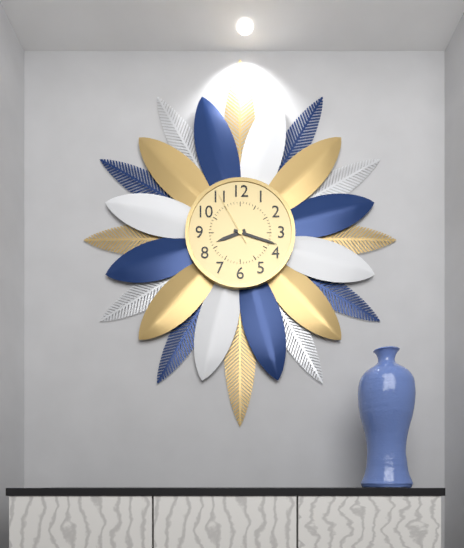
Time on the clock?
8:18:55
